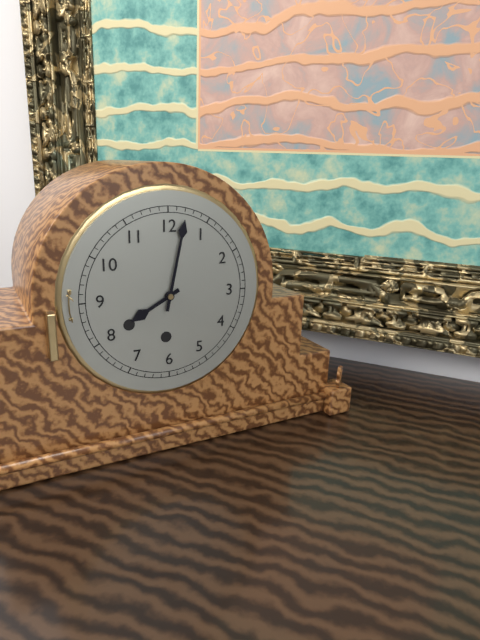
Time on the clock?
8:02
